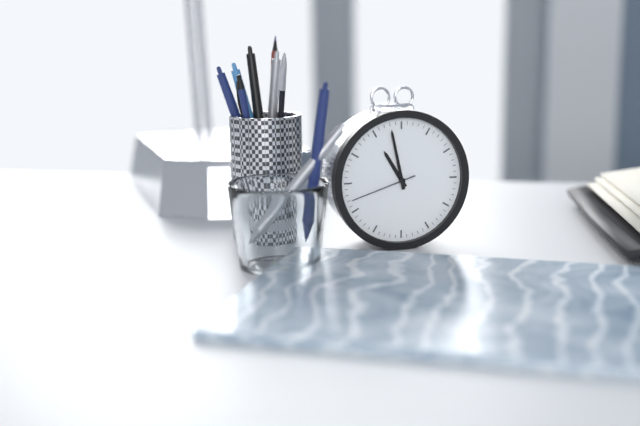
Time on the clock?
10:58:42
